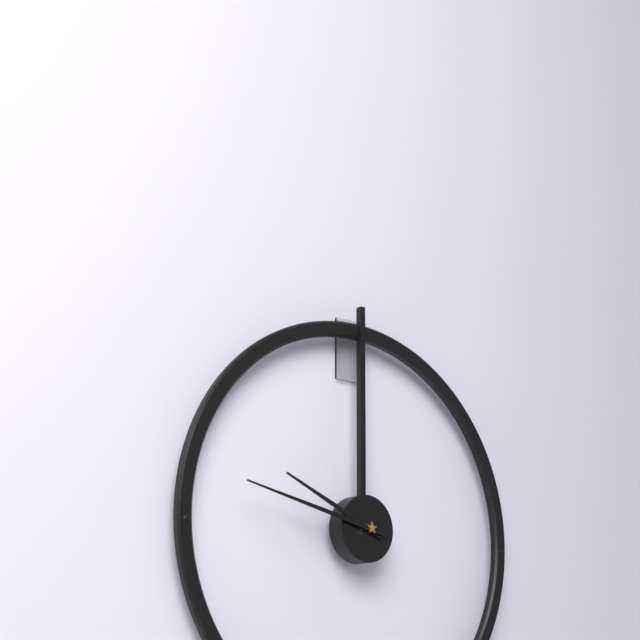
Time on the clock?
9:47
